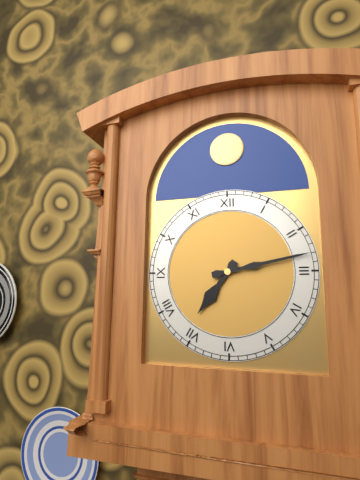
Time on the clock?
7:13
